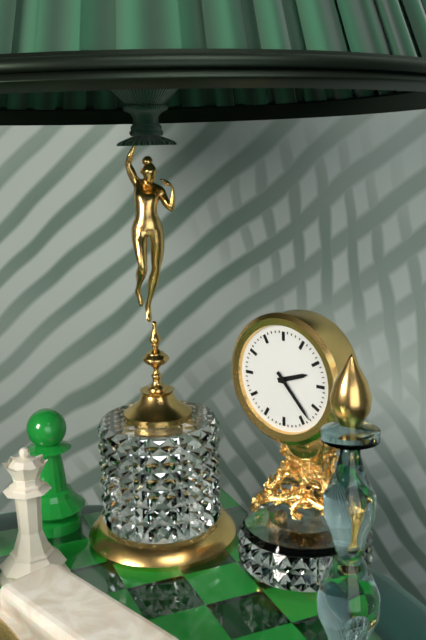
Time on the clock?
2:23
